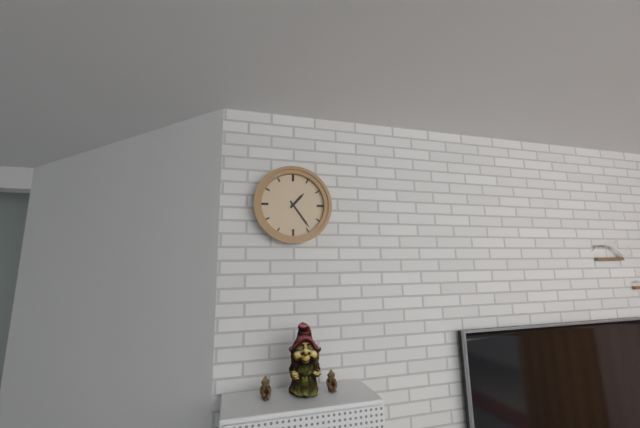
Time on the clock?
1:24
